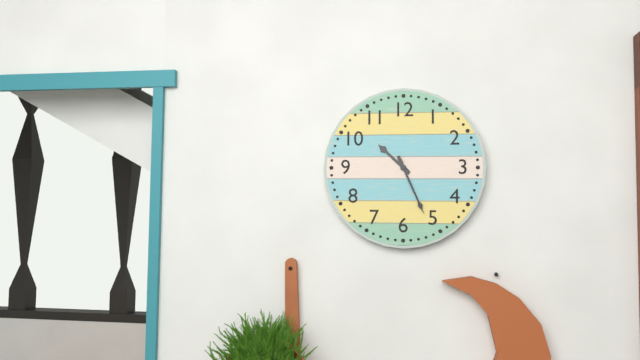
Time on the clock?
10:26
